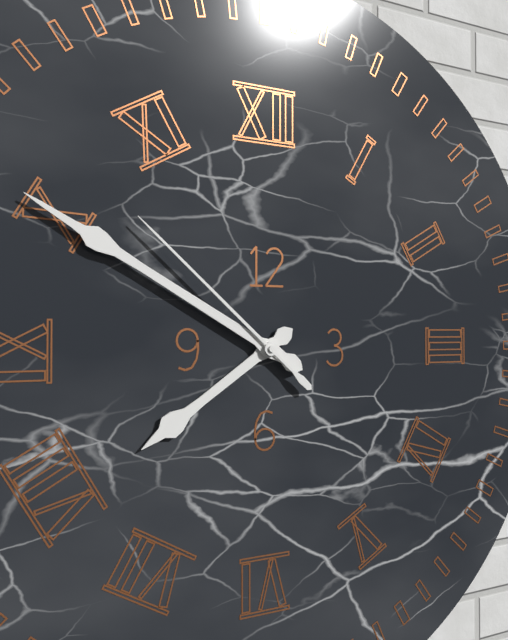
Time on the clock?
7:50:52
